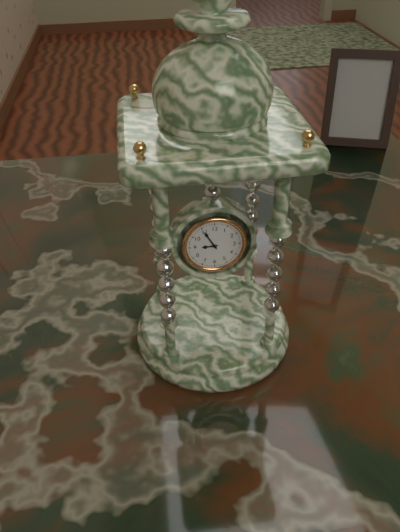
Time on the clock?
8:55
